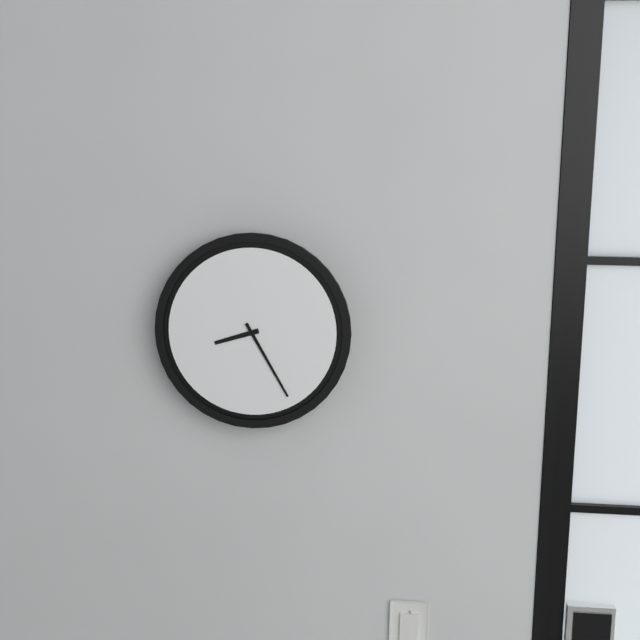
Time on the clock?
8:25
